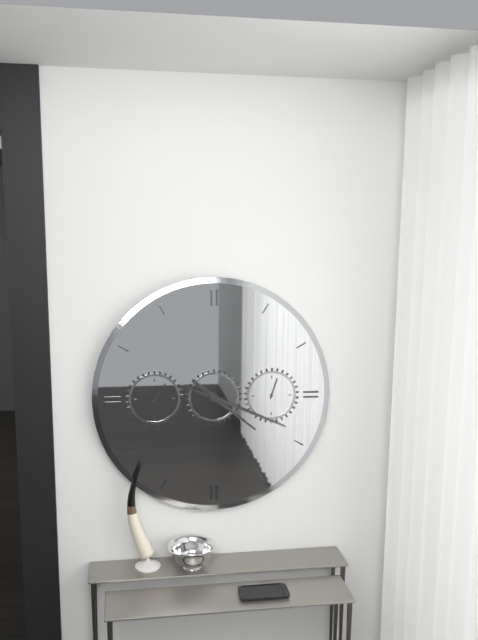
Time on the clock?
4:19
